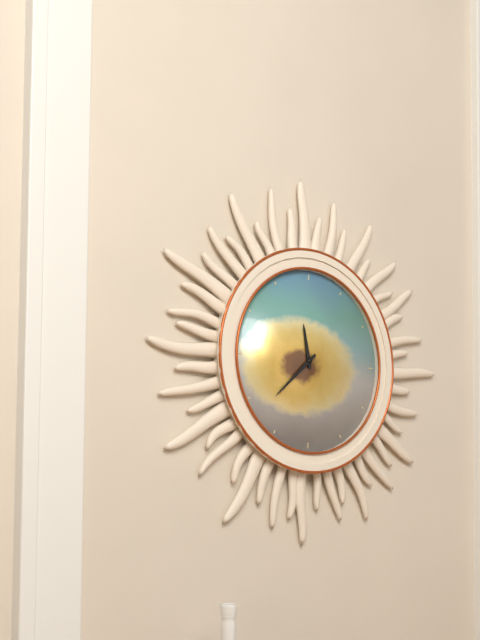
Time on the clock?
11:38
